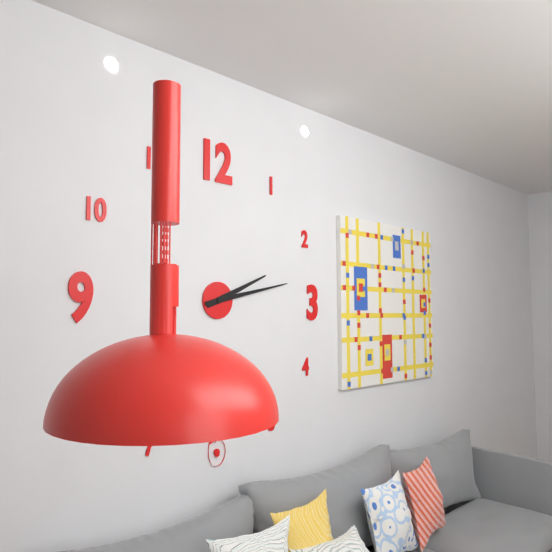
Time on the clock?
2:13
